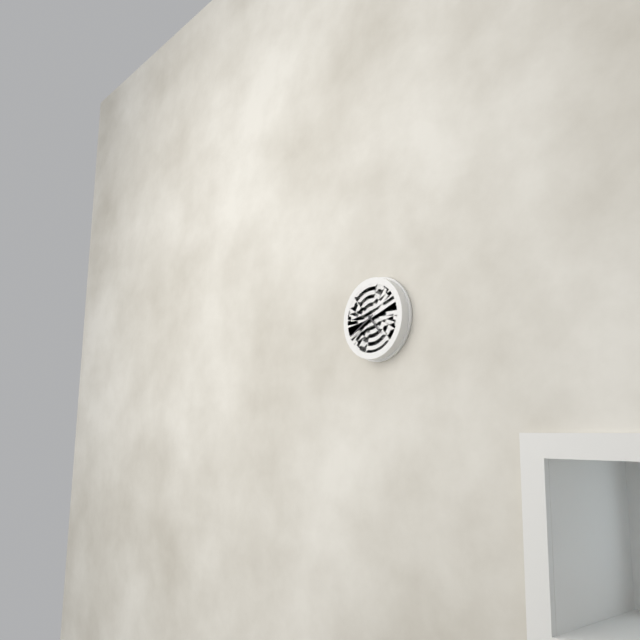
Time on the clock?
4:40
